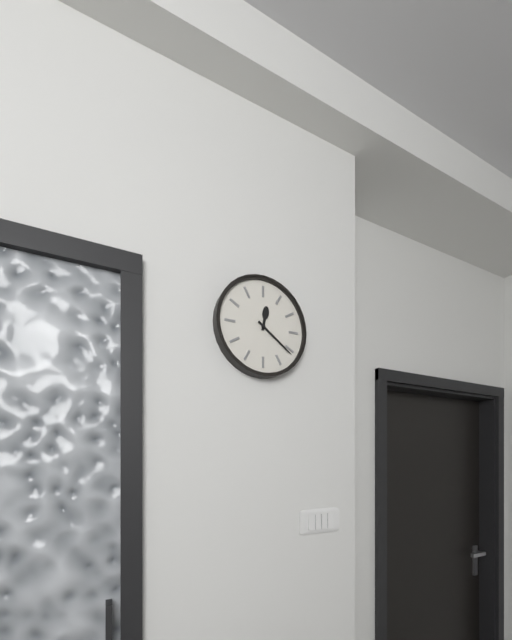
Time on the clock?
12:21
